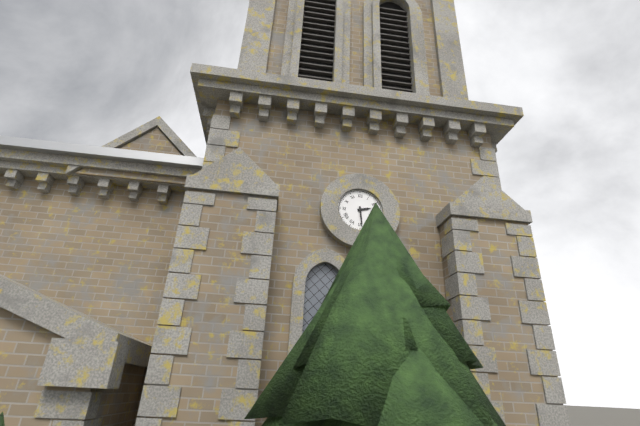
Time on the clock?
2:29
